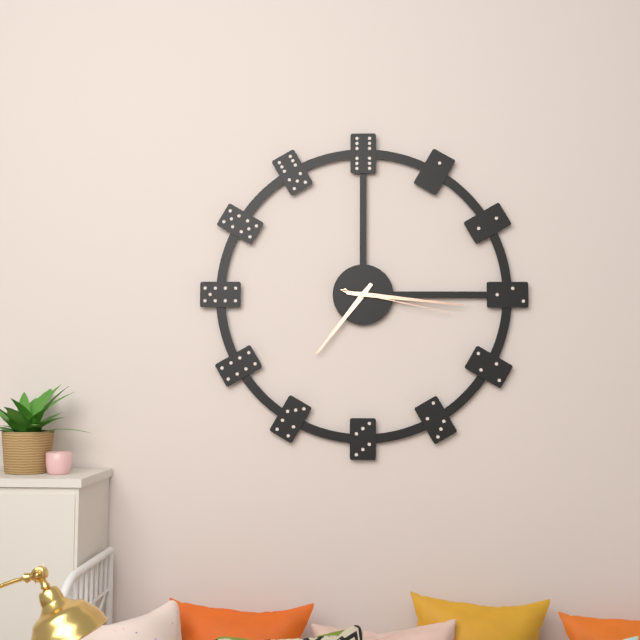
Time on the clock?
7:16:17
